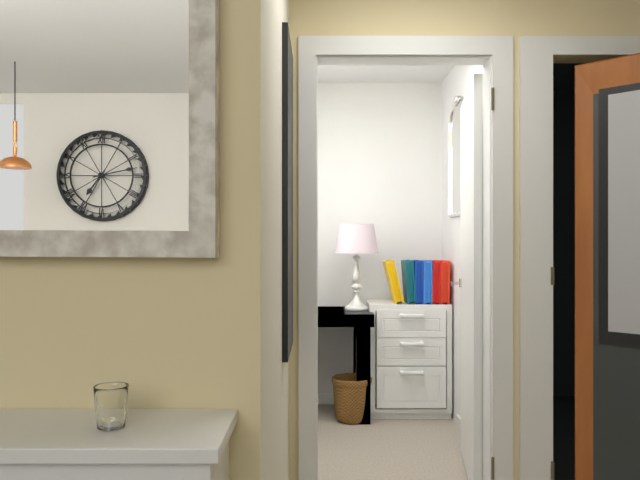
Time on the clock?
7:13
